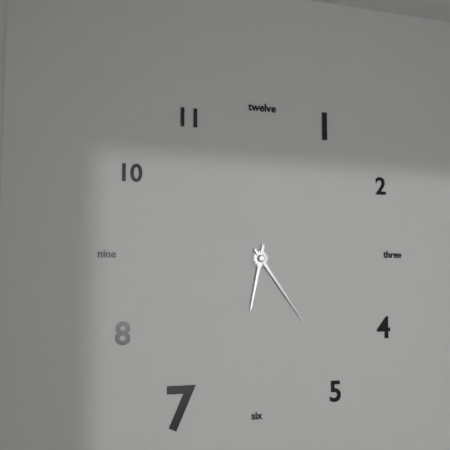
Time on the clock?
6:24
